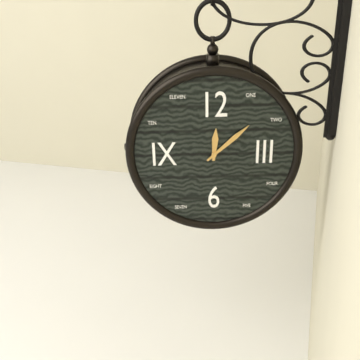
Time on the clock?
12:08
